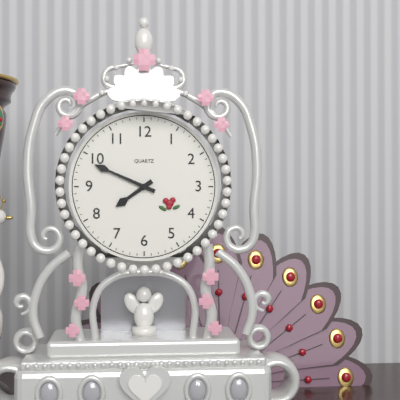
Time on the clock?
7:49
